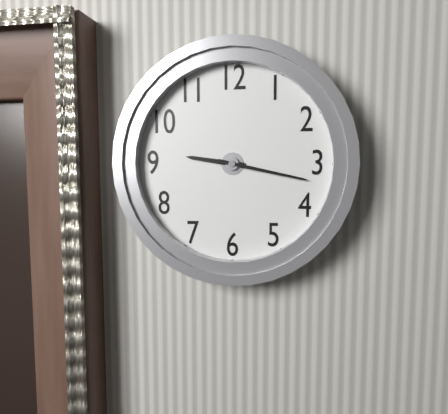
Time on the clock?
9:17
